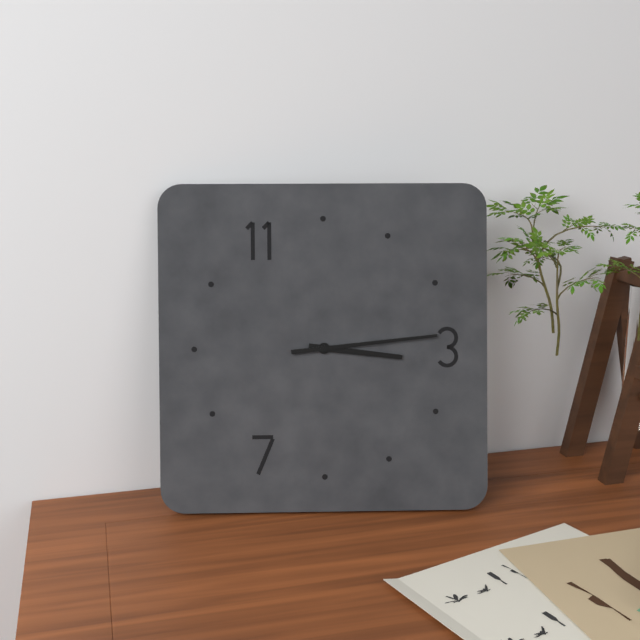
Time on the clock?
3:14
